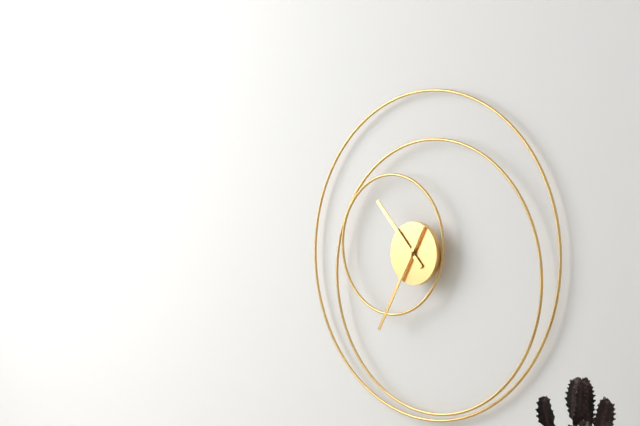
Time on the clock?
10:35
